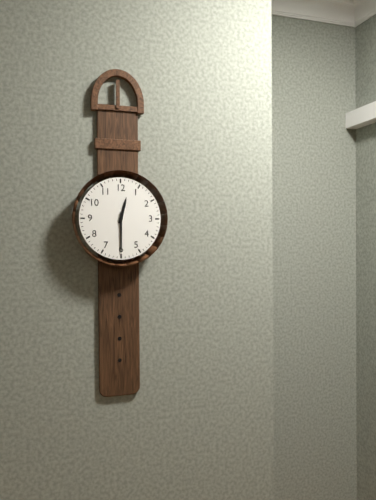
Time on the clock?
12:30
